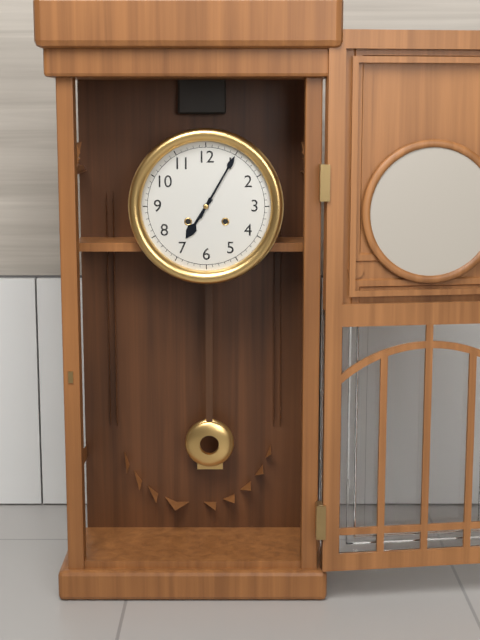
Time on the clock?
7:05
